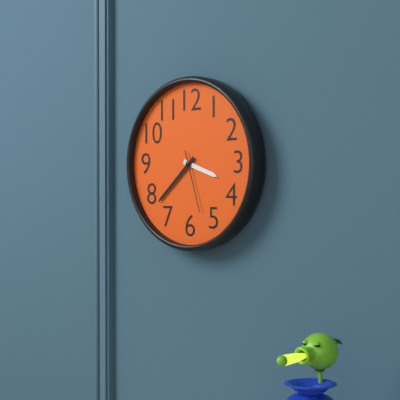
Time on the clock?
3:38:27
